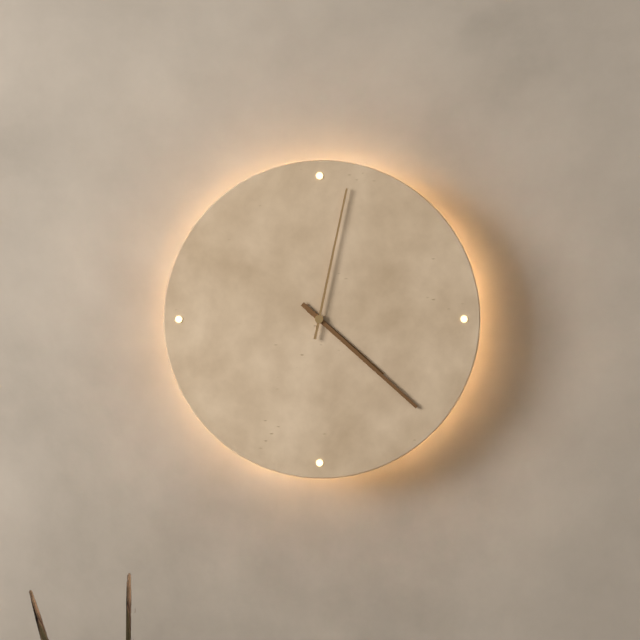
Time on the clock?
4:22:02
